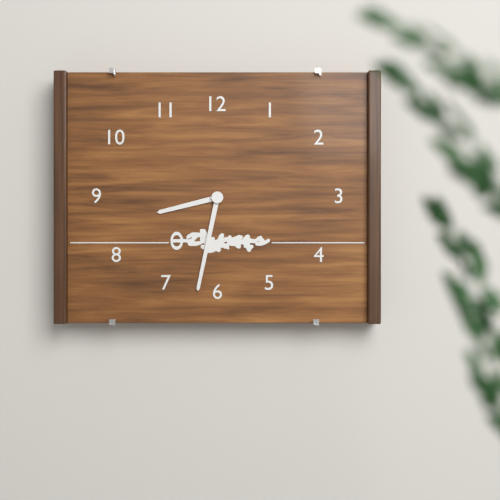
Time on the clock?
8:32
